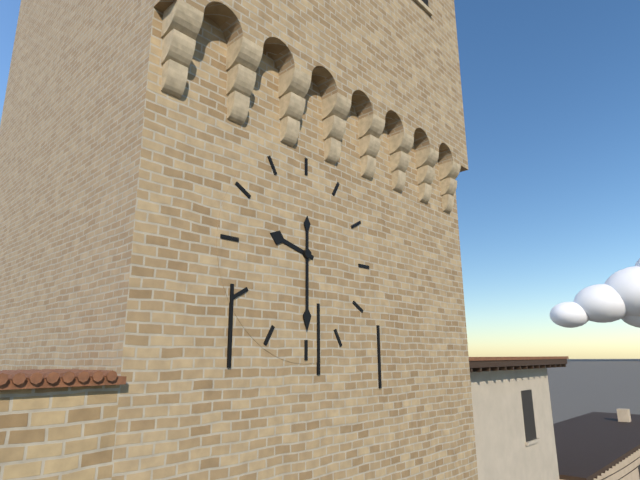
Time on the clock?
9:30
